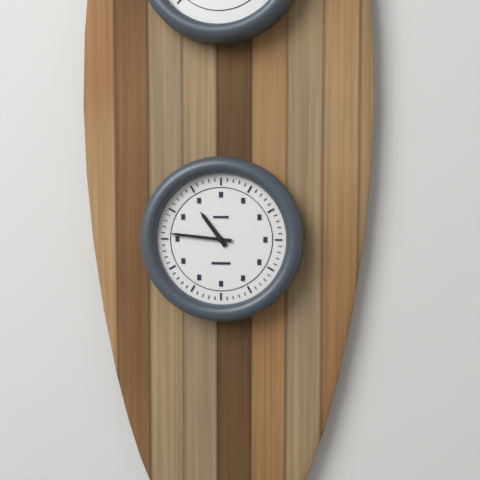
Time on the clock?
10:46
